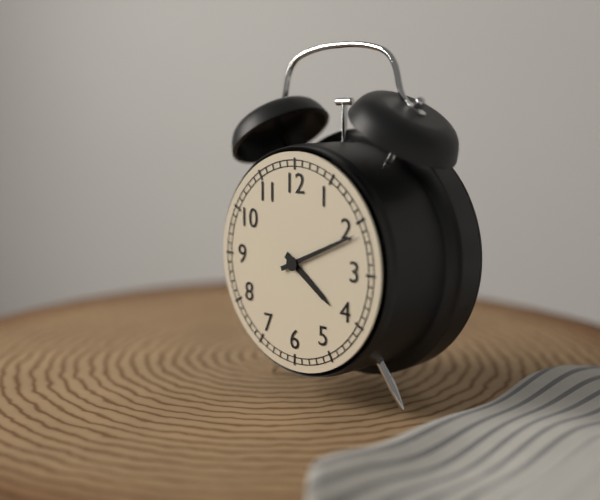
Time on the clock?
4:11
